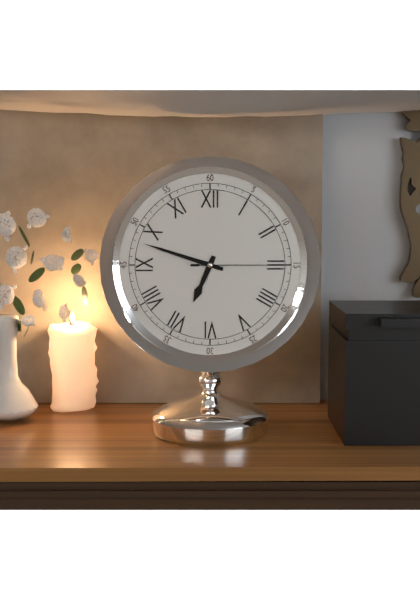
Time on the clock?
6:48:15
